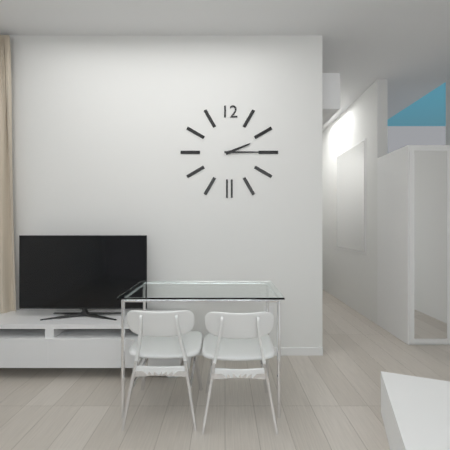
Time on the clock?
2:15
